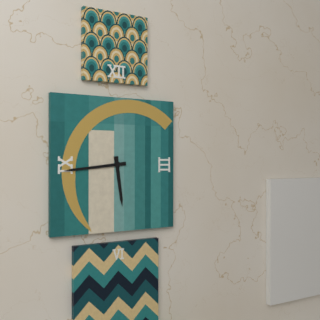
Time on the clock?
5:44
